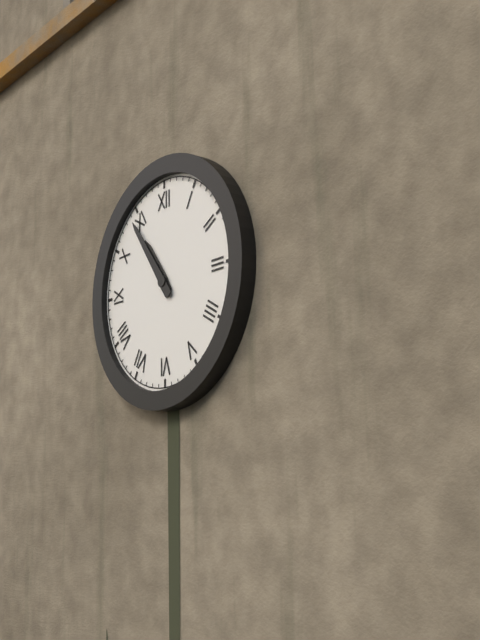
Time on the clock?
10:54
